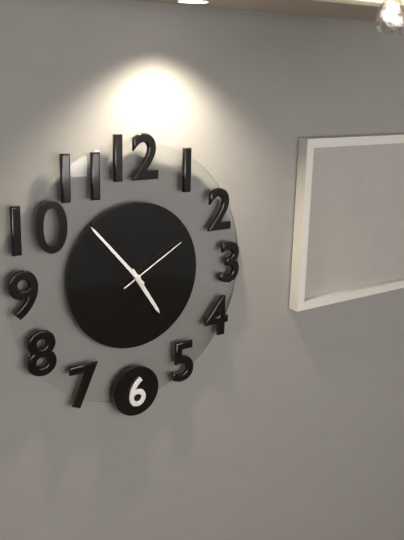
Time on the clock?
4:53:10
